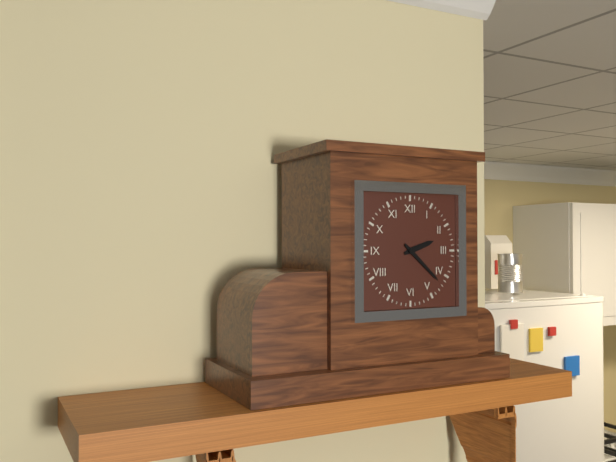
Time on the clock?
2:22
